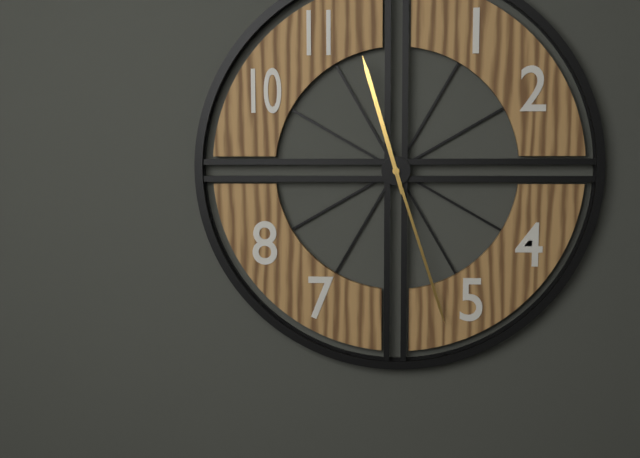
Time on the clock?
11:27
